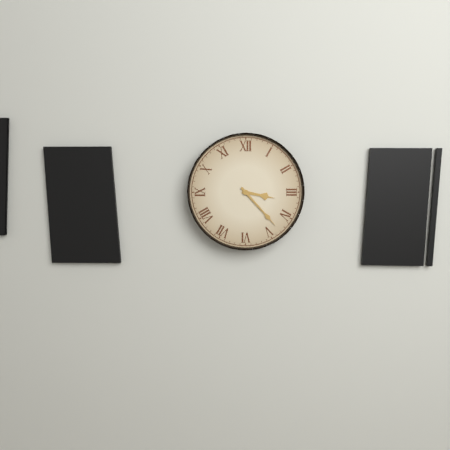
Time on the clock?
3:23
